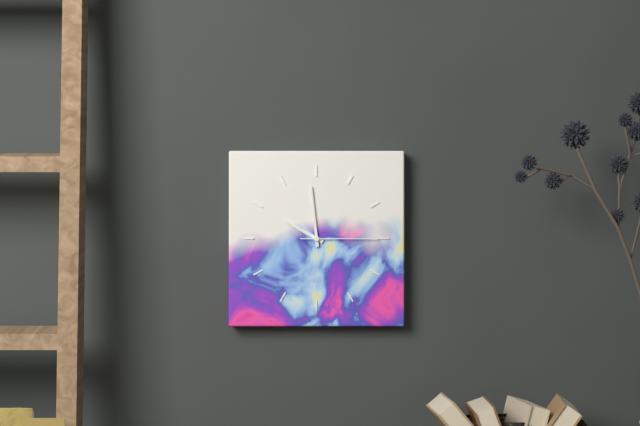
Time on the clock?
9:59:15
